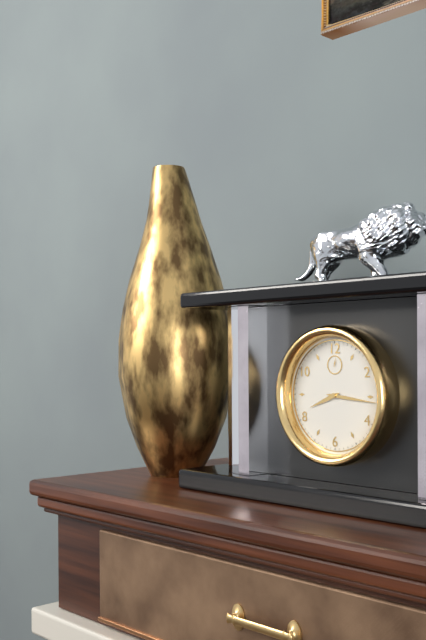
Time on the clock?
8:16
